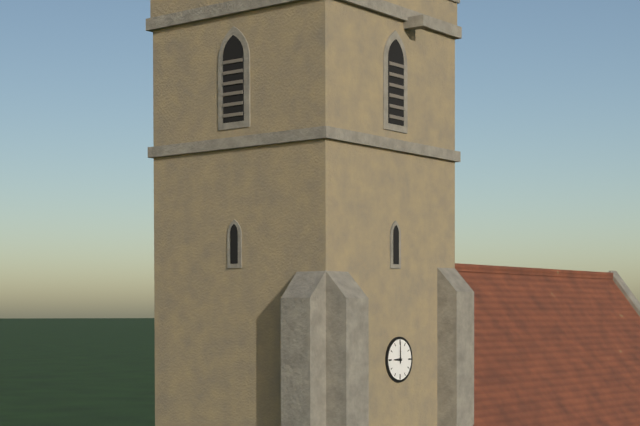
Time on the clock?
9:00
